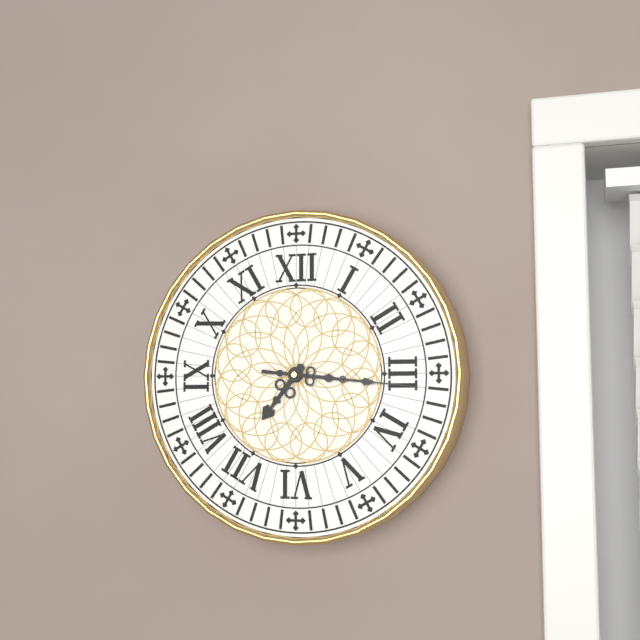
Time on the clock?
7:16:16
